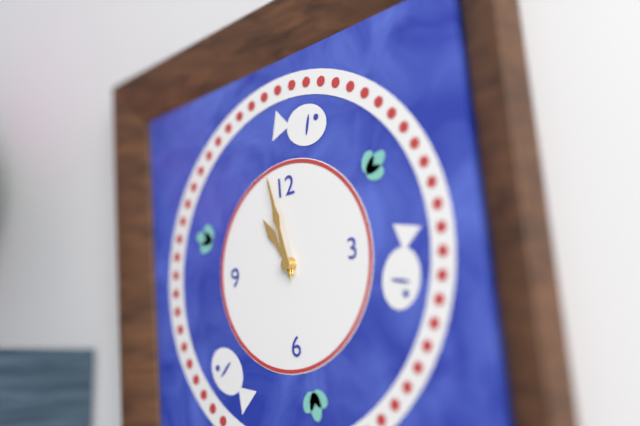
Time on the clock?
10:58
